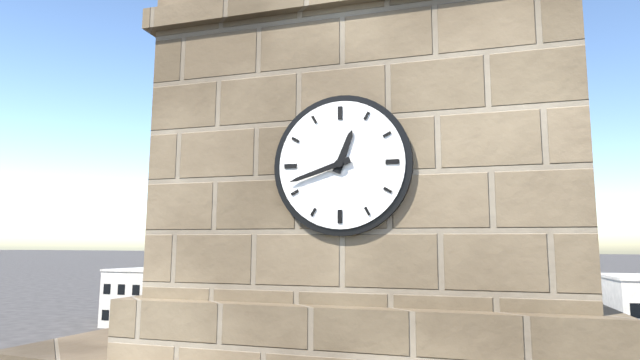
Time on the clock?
12:42
